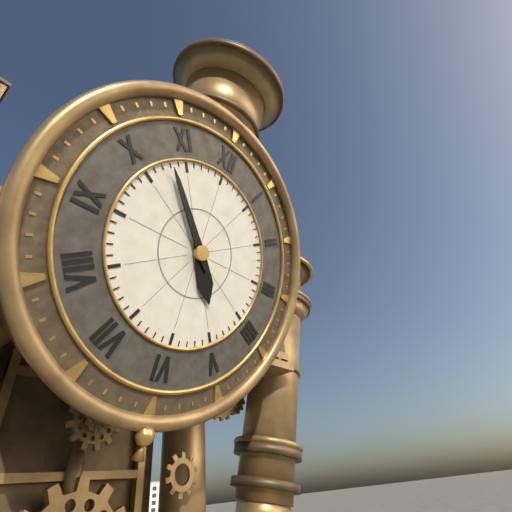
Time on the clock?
4:53
